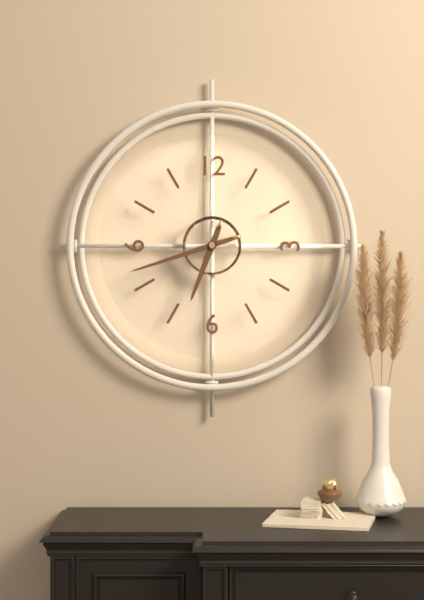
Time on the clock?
6:42
